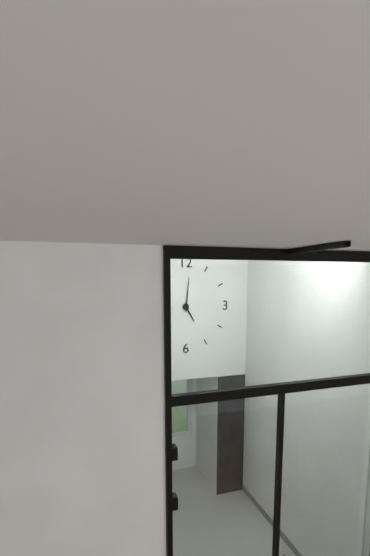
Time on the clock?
5:01
